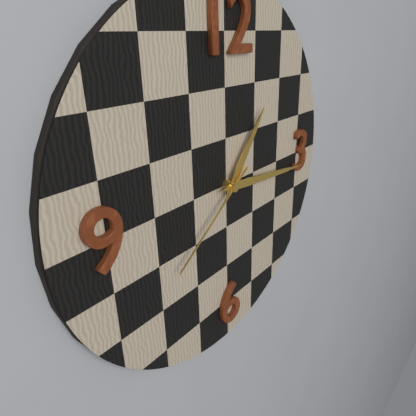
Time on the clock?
1:16:39
